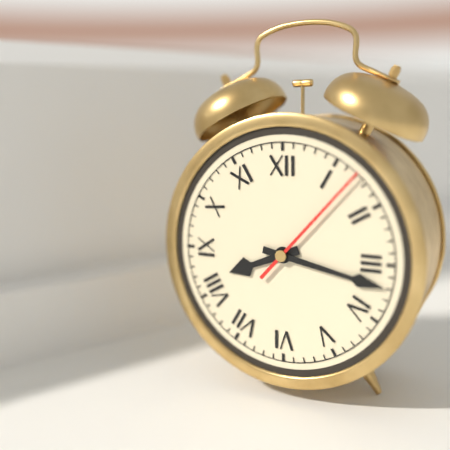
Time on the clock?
8:17:07
